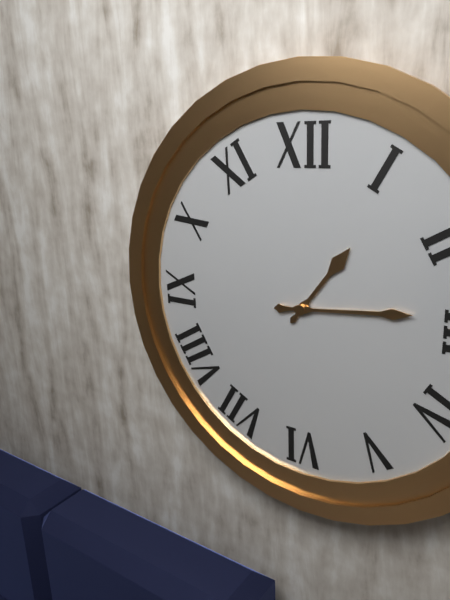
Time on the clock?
1:14
